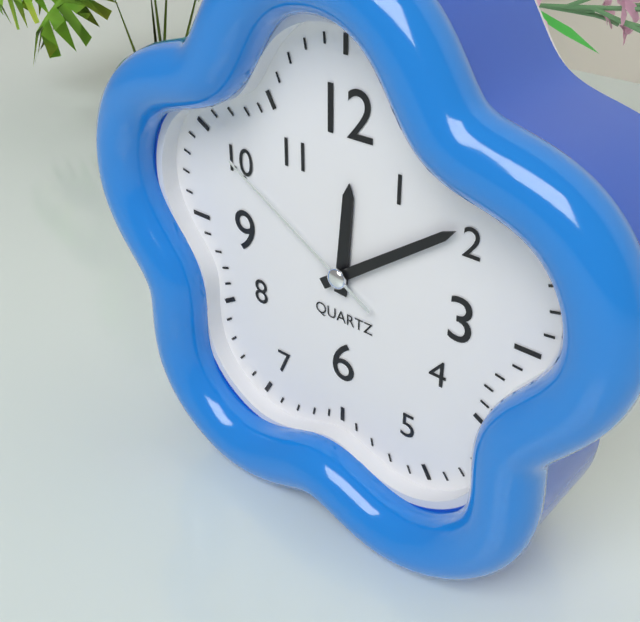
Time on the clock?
12:09:50
